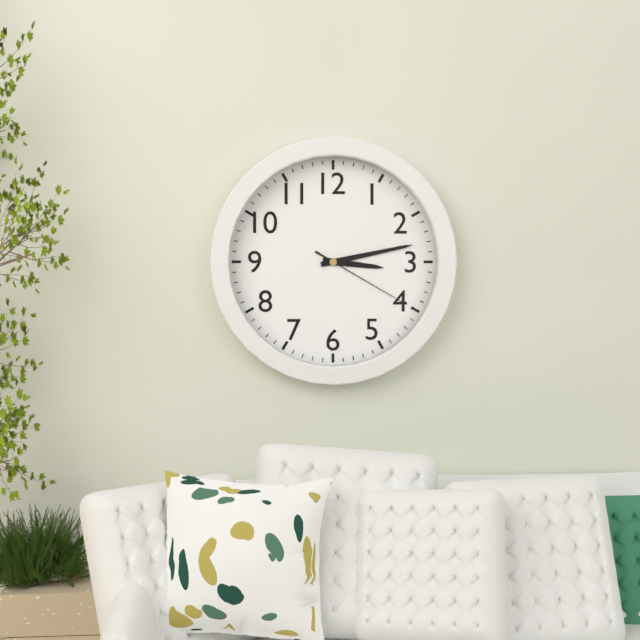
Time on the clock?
3:13:20
